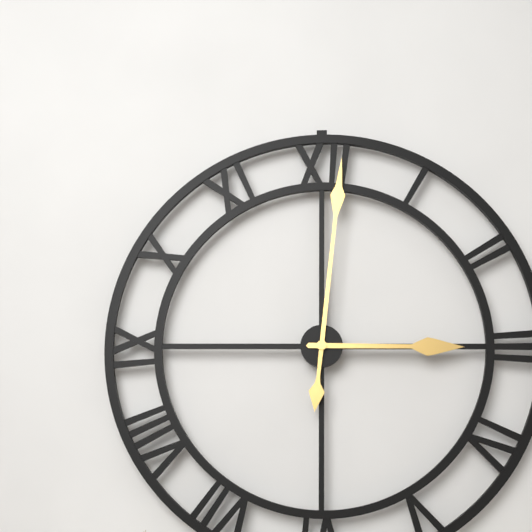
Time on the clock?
3:01
